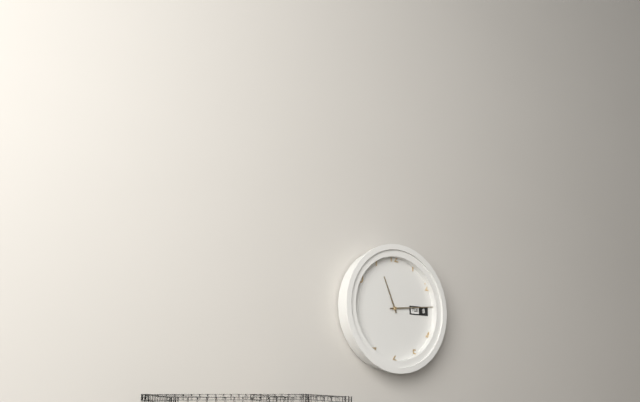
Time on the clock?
11:14
